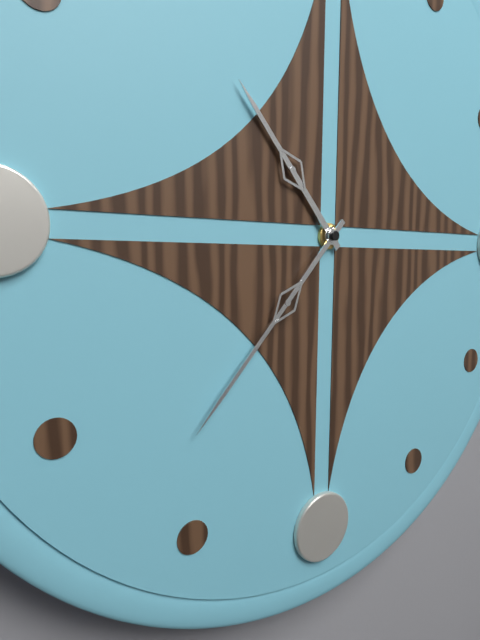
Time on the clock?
10:37
